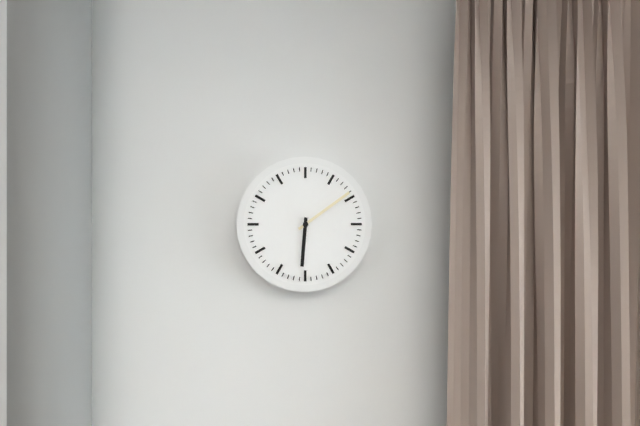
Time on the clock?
6:09
